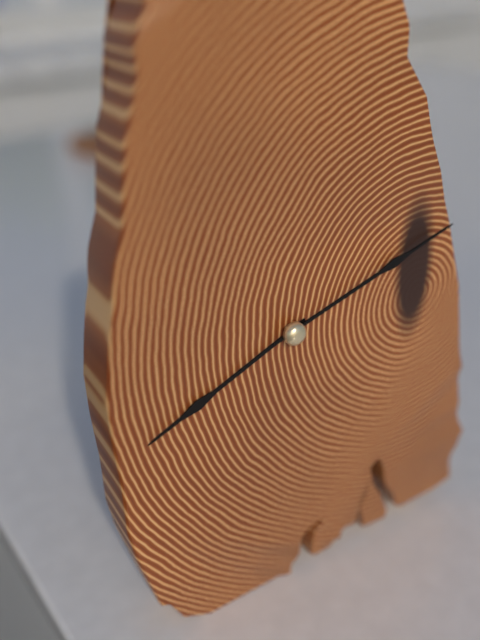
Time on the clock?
8:12
